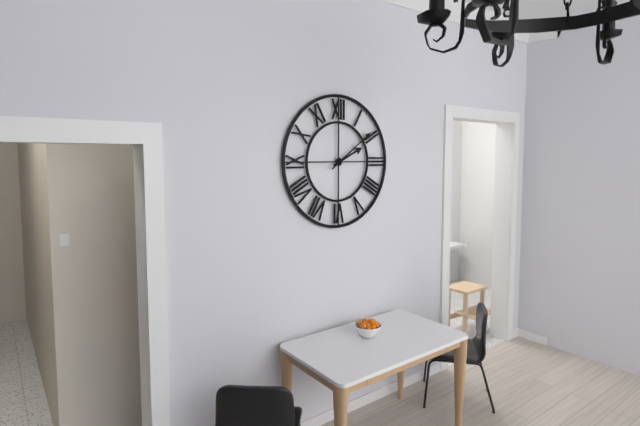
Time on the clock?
2:09
